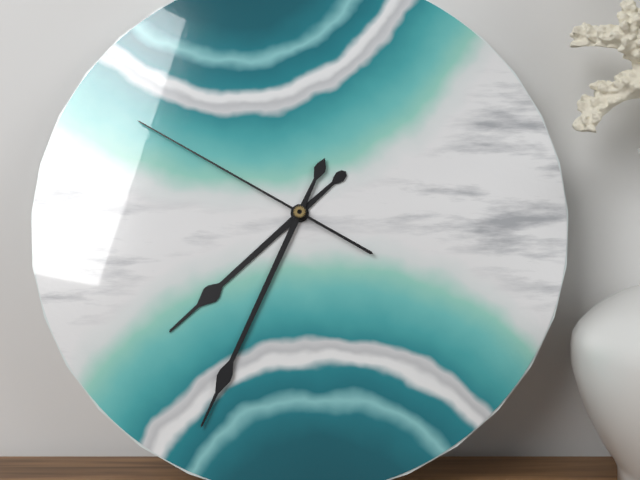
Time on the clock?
7:34:50
